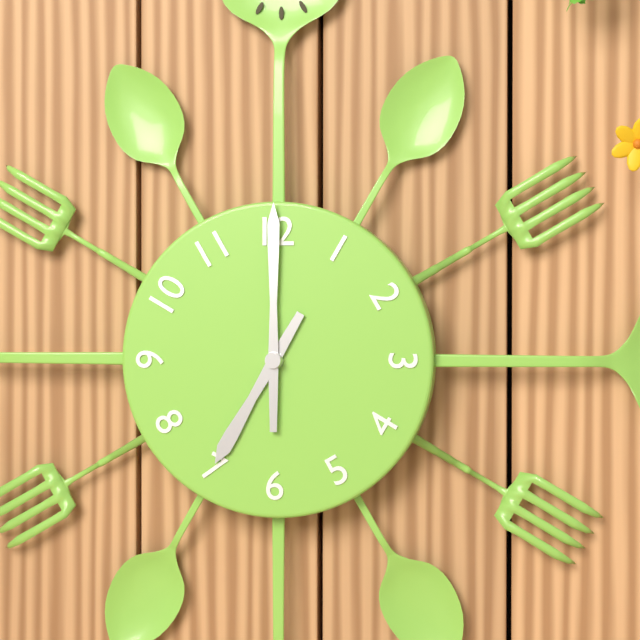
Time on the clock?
7:00
